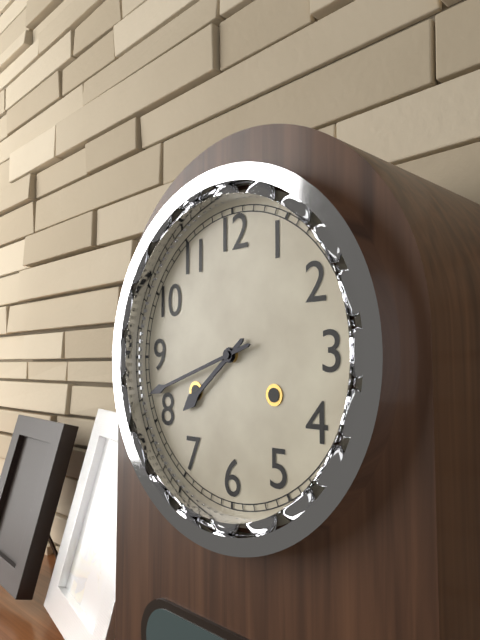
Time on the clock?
7:42
